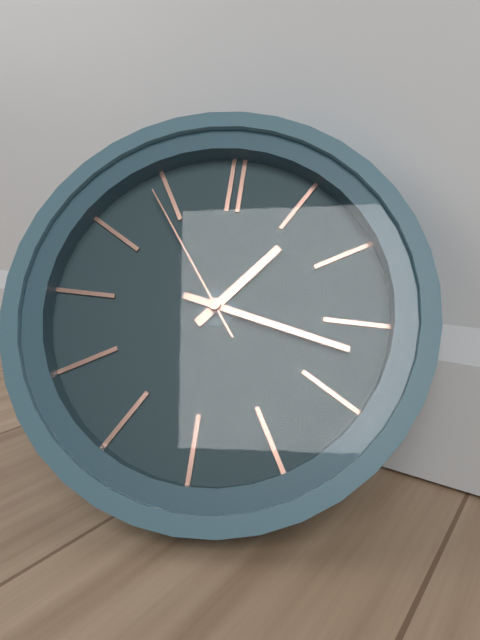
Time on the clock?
1:17:54
